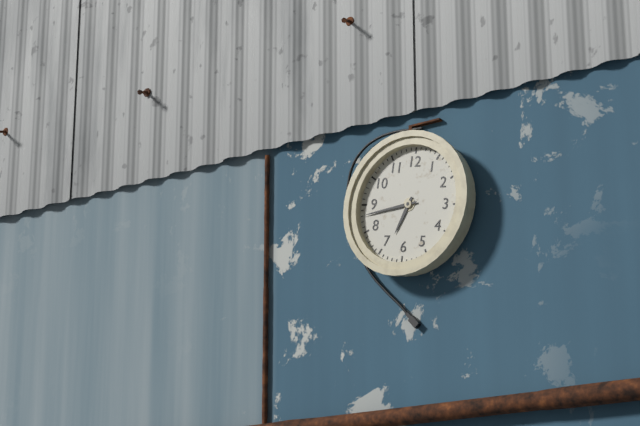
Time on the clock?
6:43
